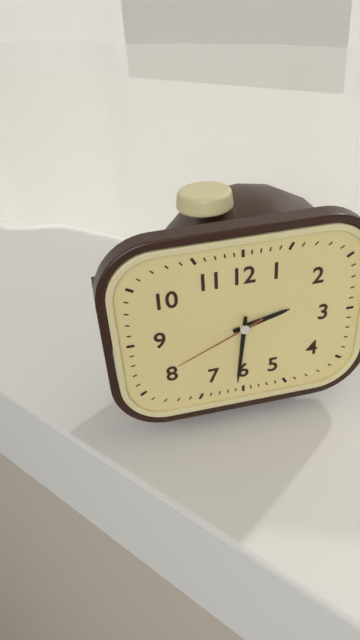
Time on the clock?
2:31:41
